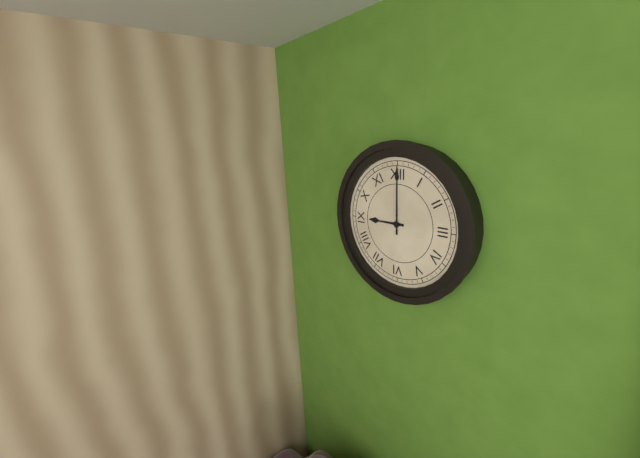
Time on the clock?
9:00
